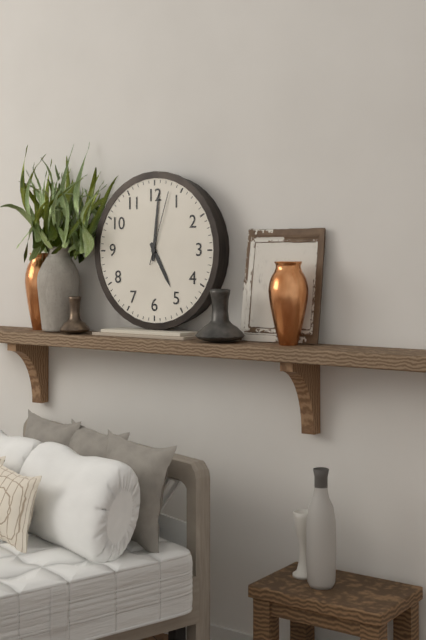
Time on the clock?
5:01:03
